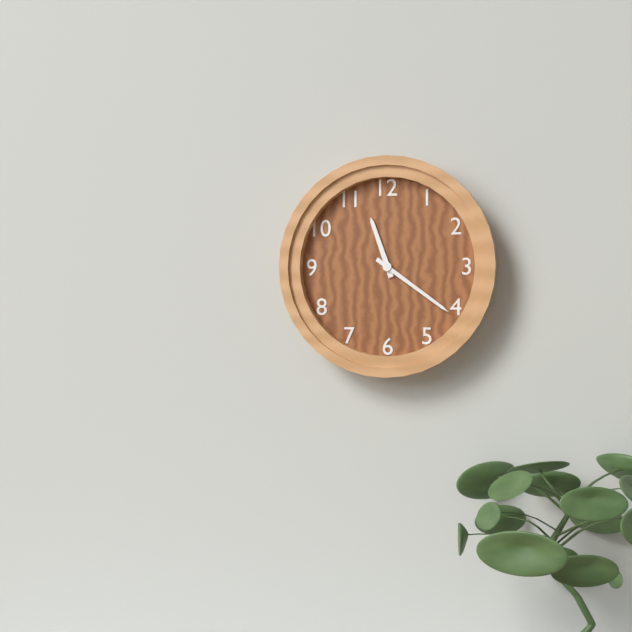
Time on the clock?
11:21
